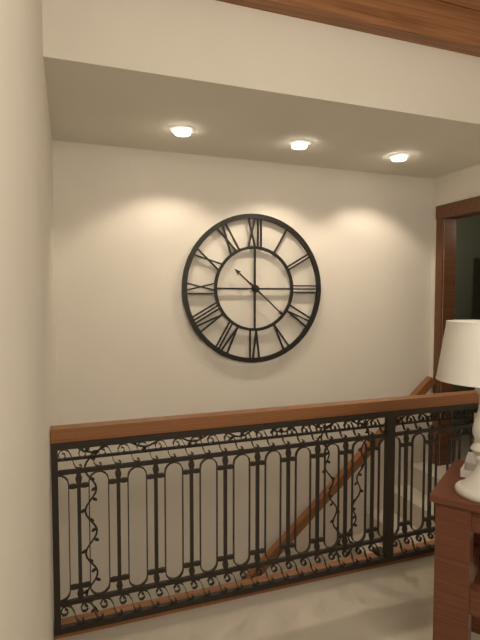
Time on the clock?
10:22
